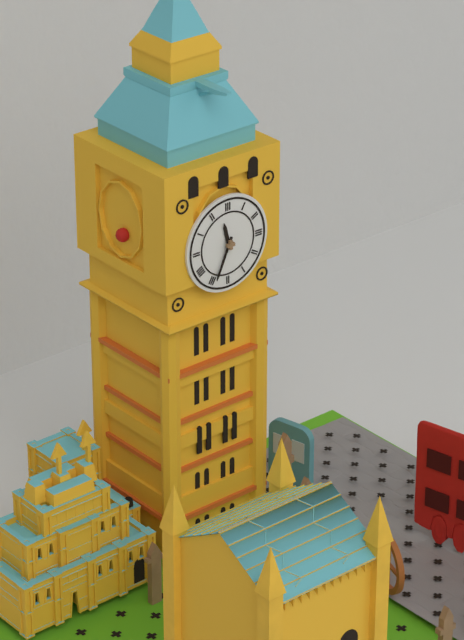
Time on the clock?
11:34
